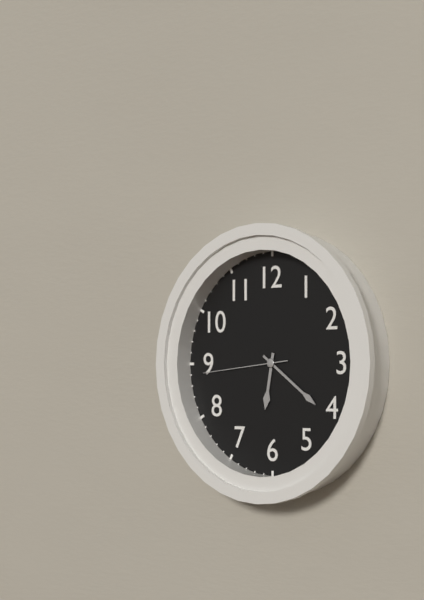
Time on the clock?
6:21:44
